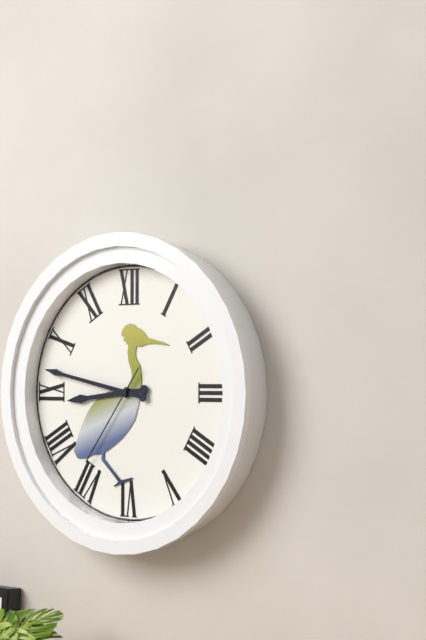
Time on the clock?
8:47:36
